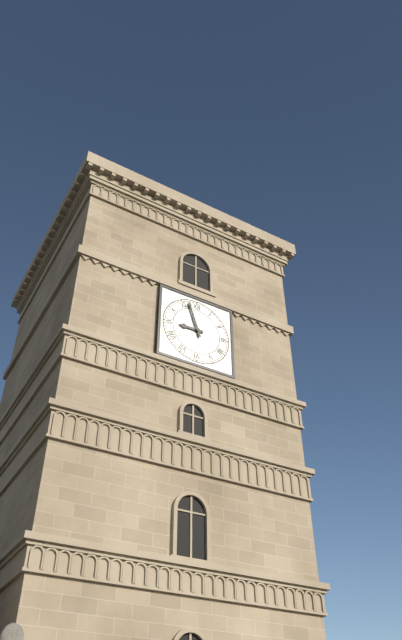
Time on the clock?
8:57
